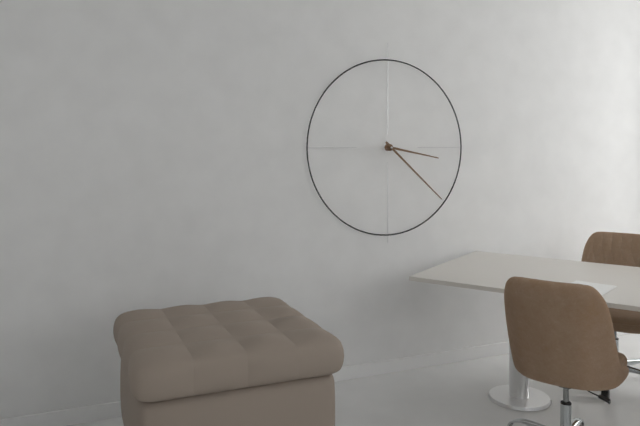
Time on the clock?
3:22
